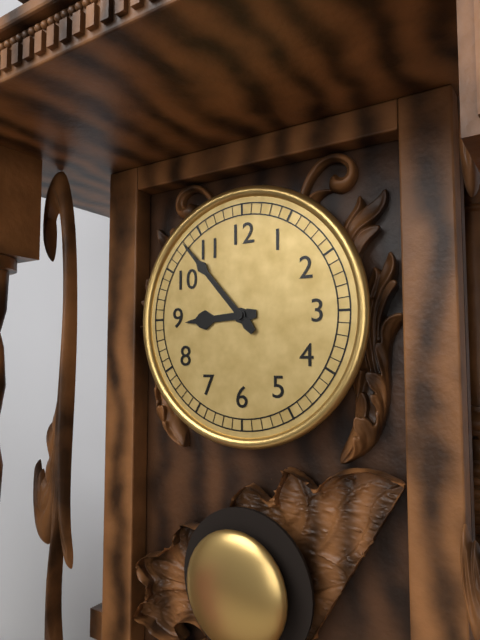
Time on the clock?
8:53
